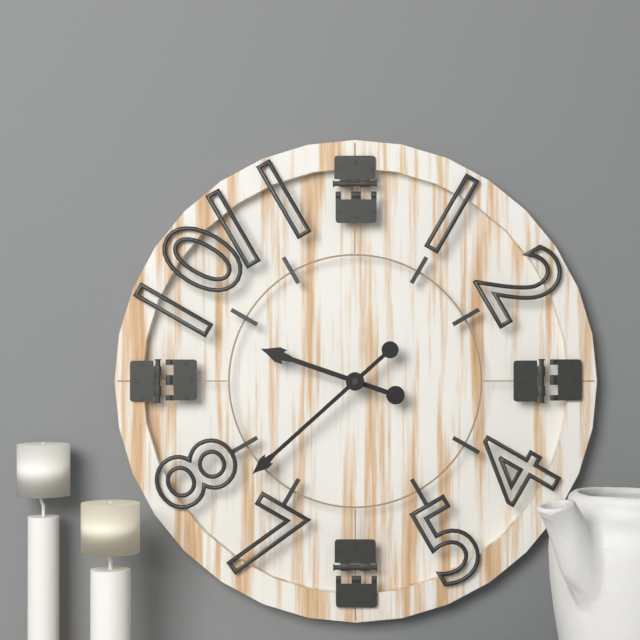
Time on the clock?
9:38
